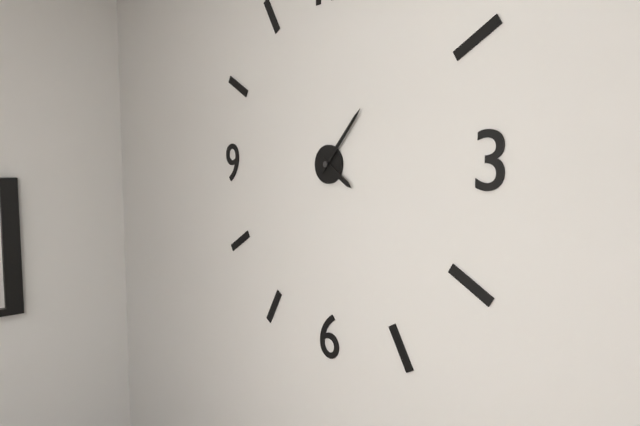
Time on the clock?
4:07
